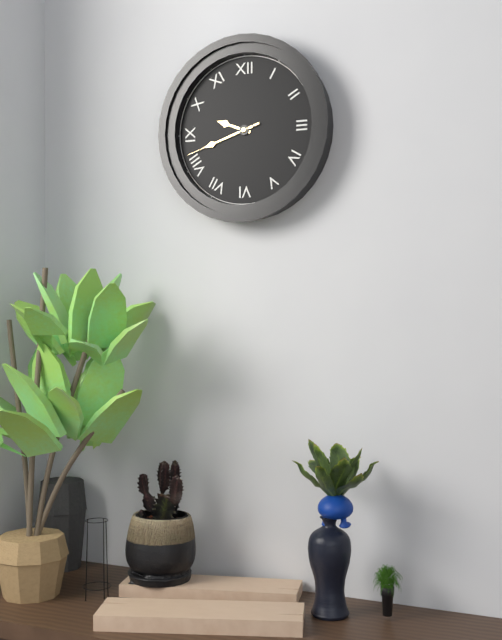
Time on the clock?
9:42:42
